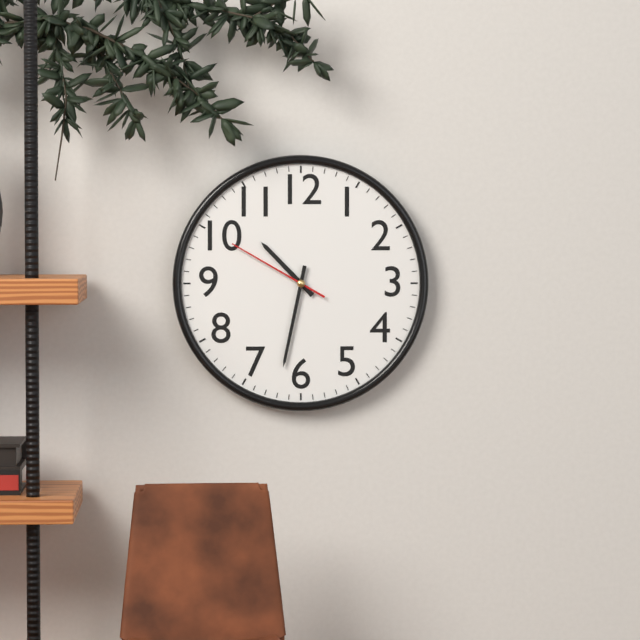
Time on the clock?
10:32:50
